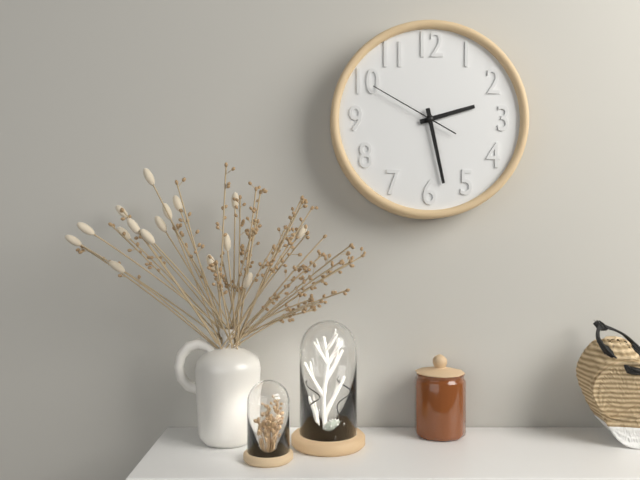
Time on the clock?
2:28:50
